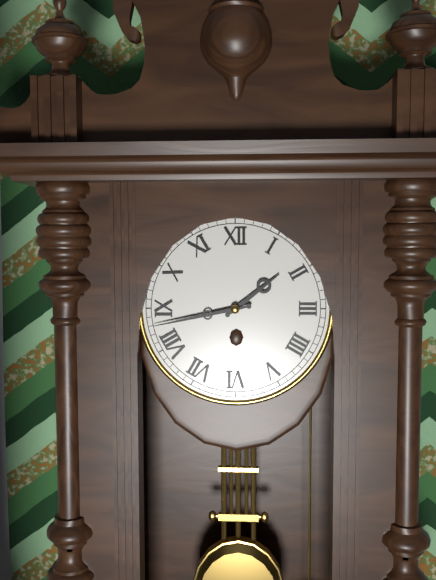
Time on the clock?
1:43
